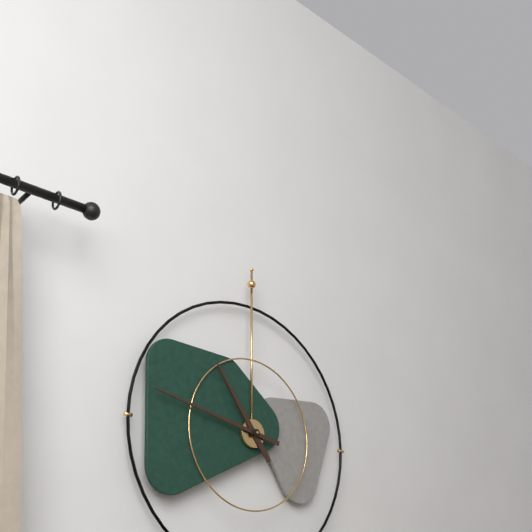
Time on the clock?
10:47
